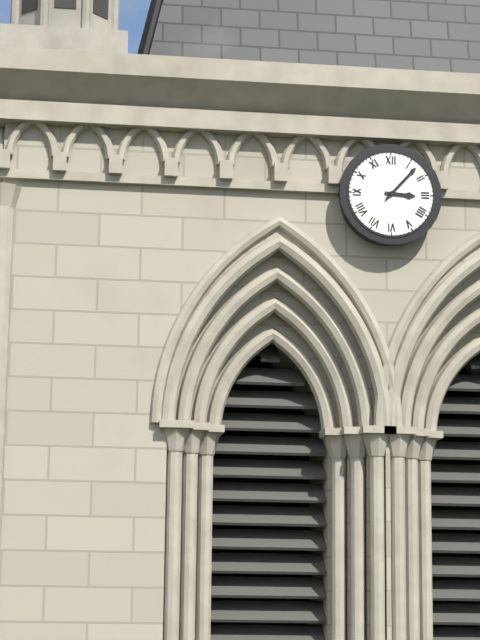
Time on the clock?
3:07
